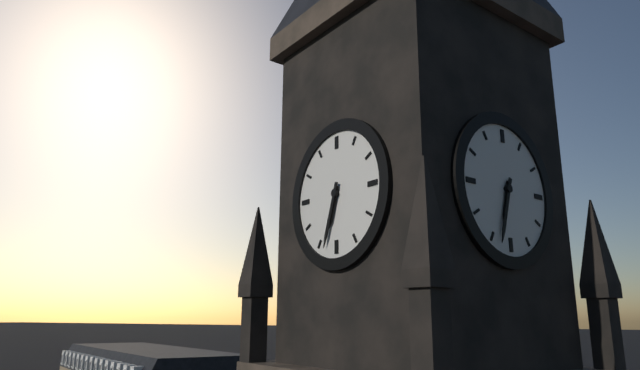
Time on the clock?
6:33
